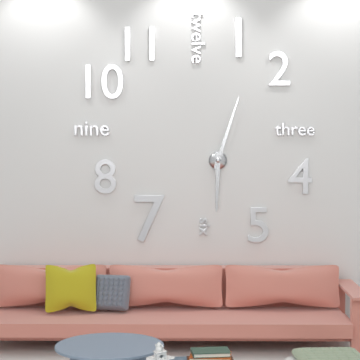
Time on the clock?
6:03
